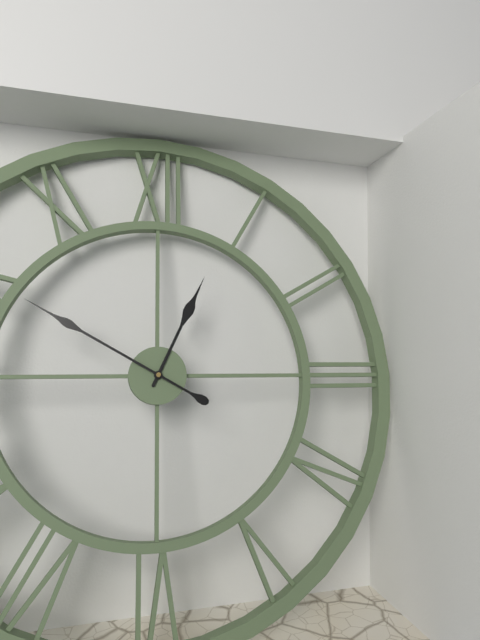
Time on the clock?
12:50
